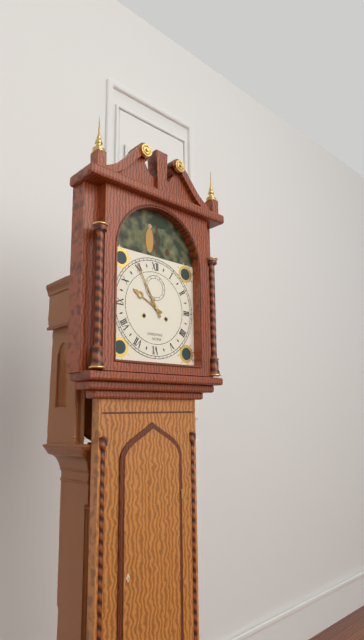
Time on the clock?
9:55
